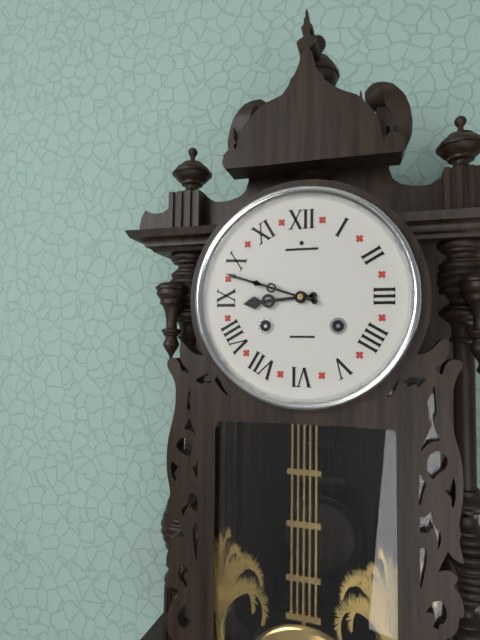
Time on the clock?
8:48
